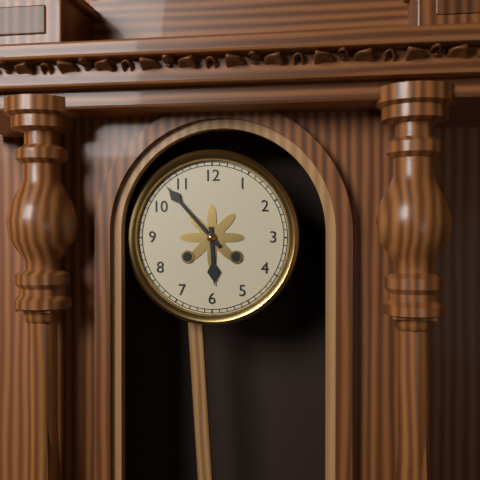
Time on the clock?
5:53
